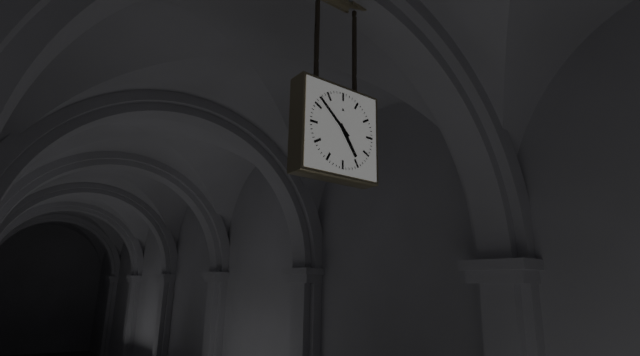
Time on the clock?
4:52
